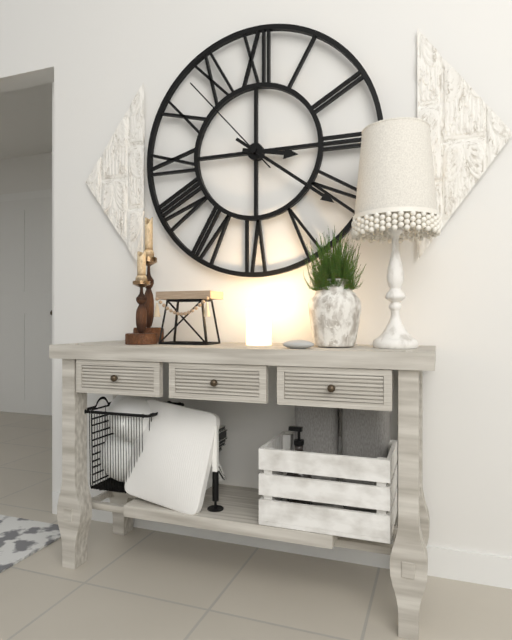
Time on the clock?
3:21:53
